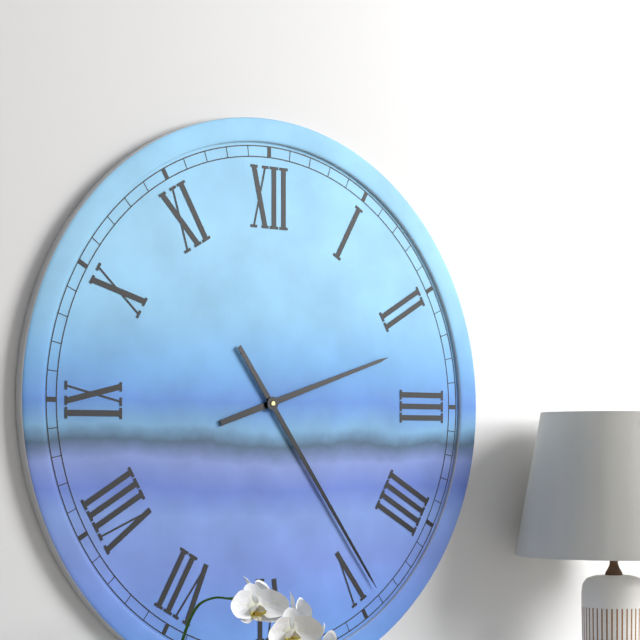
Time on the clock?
2:24
